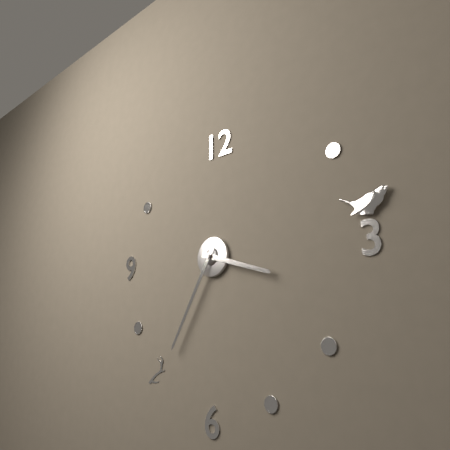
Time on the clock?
3:35
